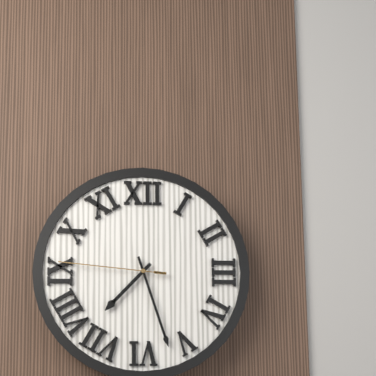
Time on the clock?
7:27:46
